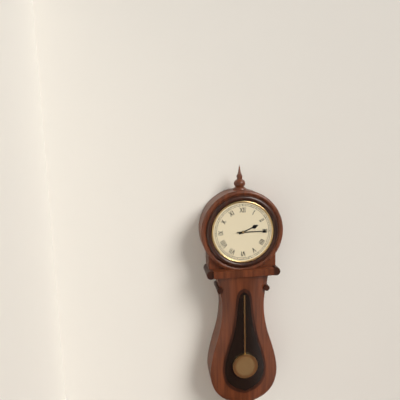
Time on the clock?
2:15
